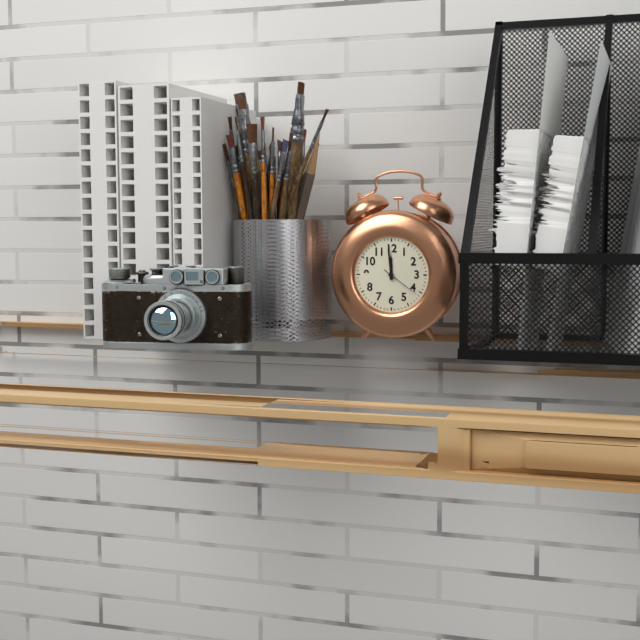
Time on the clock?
11:59
